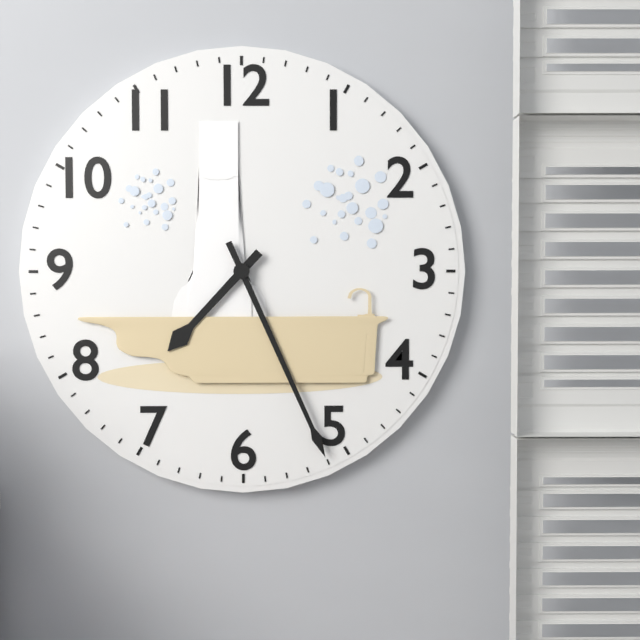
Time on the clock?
7:26
